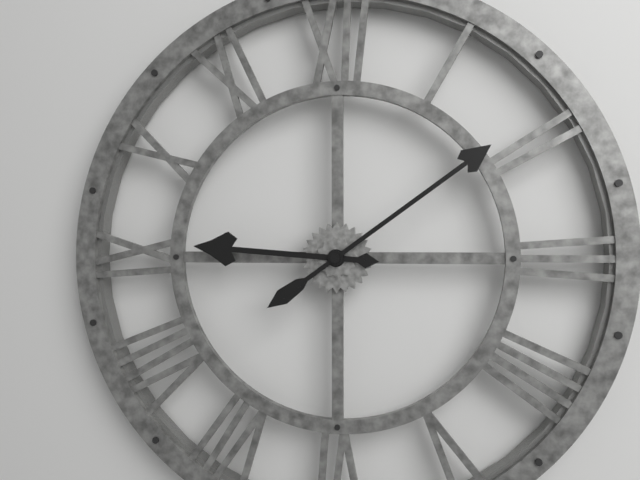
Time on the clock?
9:09
